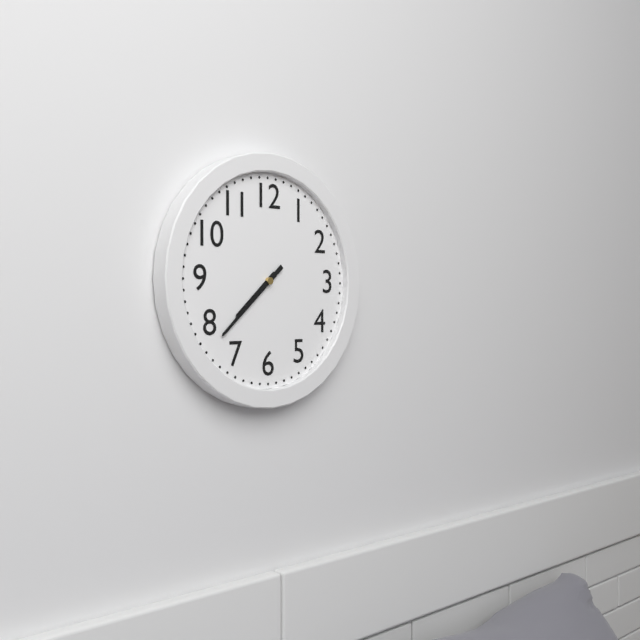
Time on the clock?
7:38
